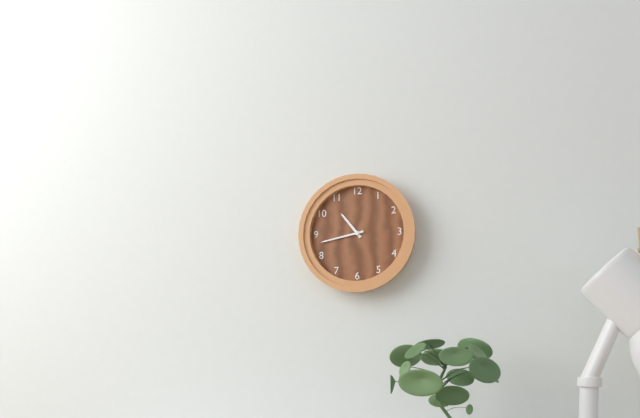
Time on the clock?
10:43
